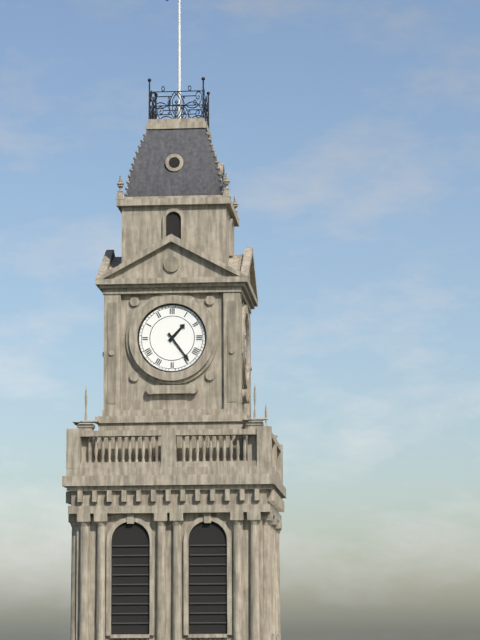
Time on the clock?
1:24
